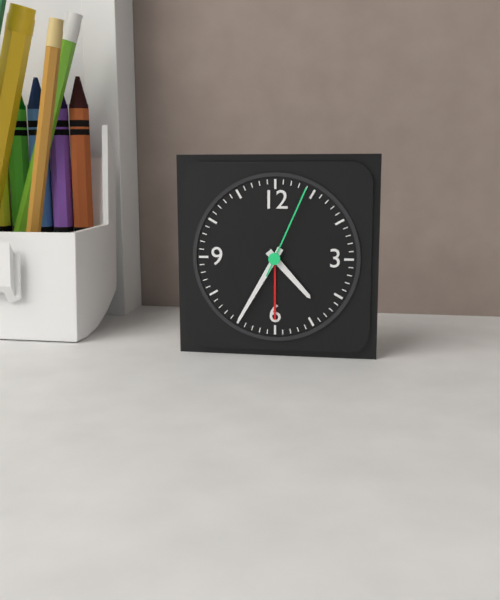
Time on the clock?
4:35:04
